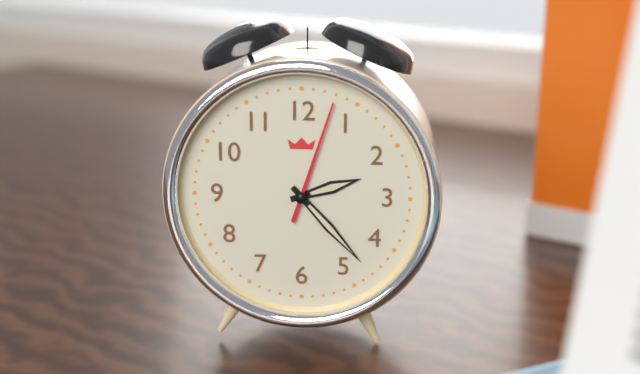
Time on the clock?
2:23:03
